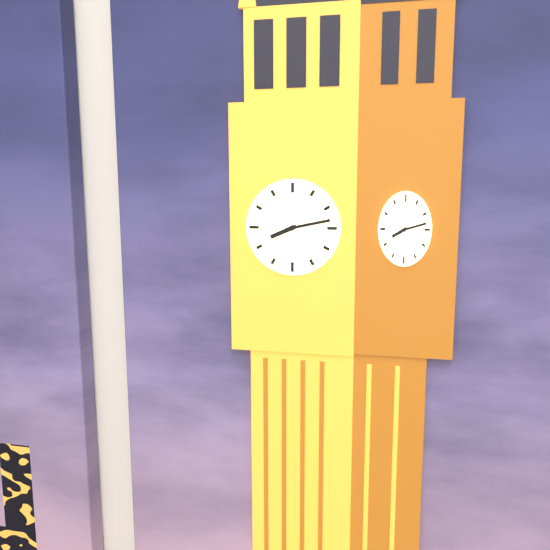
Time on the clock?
8:13
